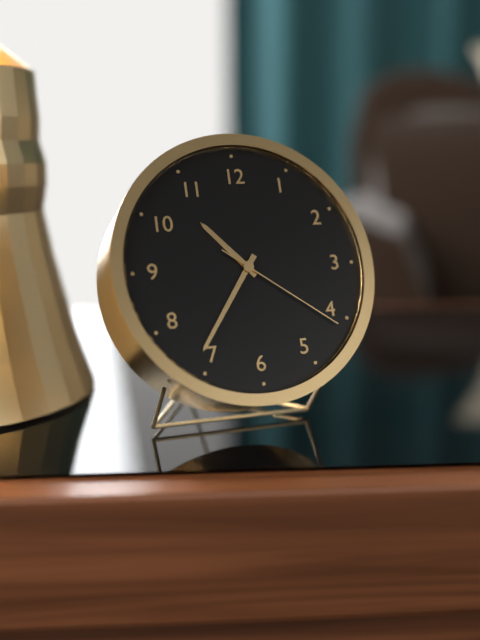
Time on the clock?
10:36:21
